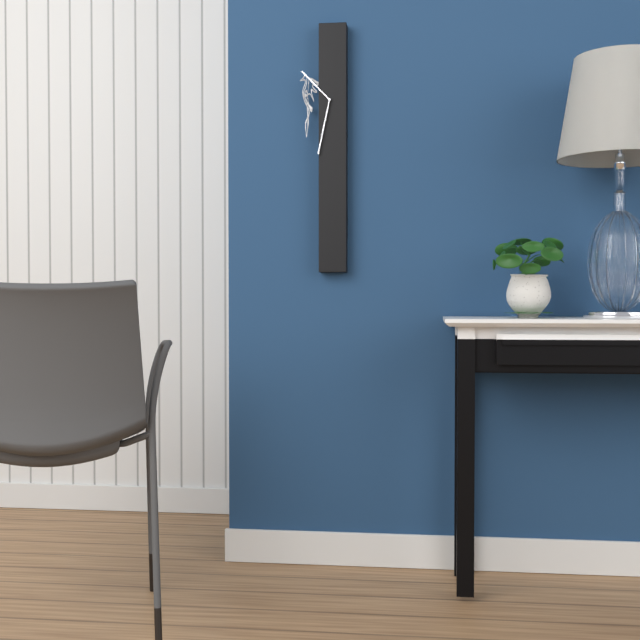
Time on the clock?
10:32
